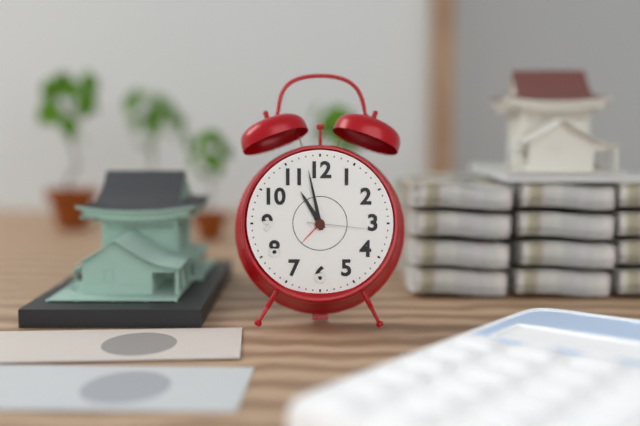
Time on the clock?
10:58:16
